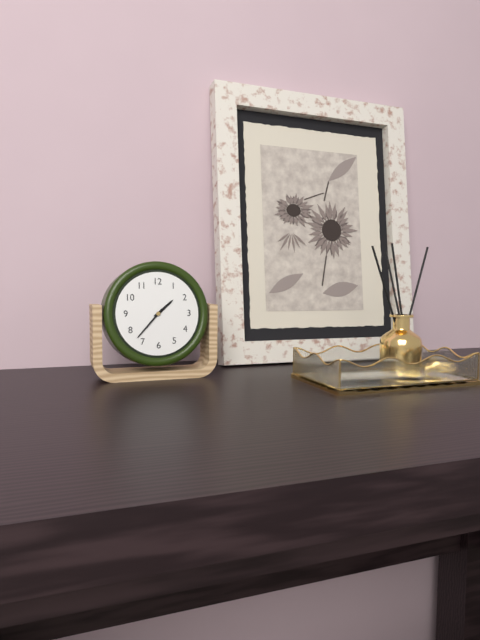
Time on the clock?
1:37
